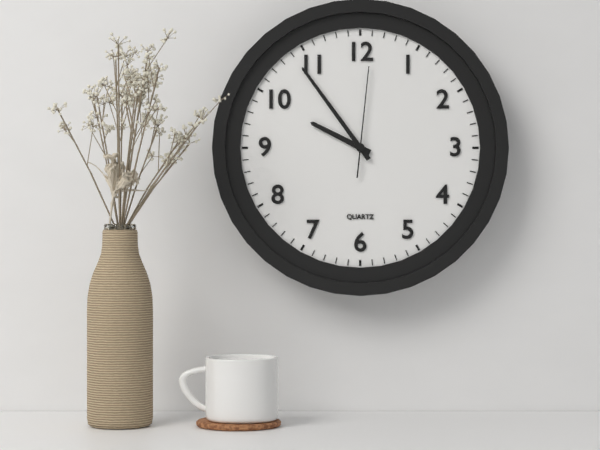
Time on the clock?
9:54:01
